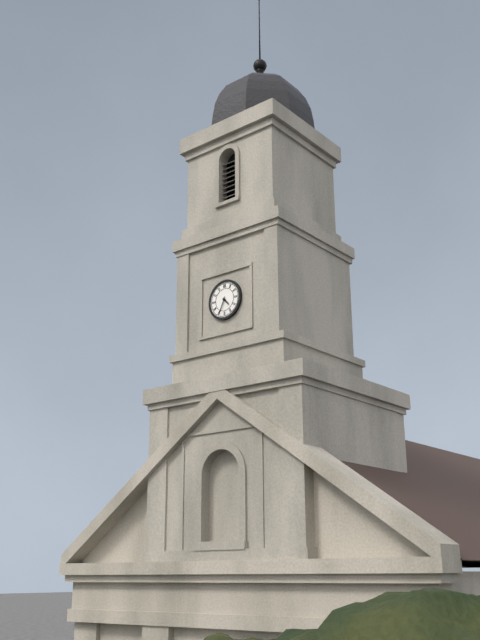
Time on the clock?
4:34
